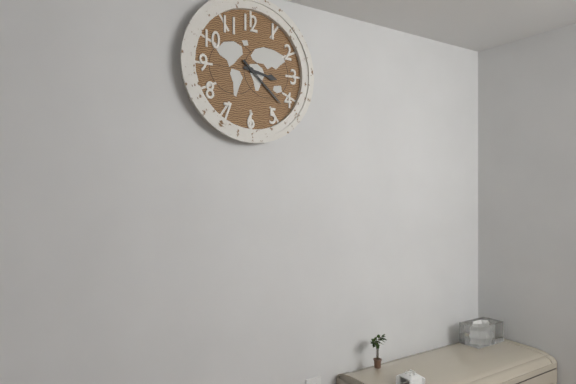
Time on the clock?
3:22
